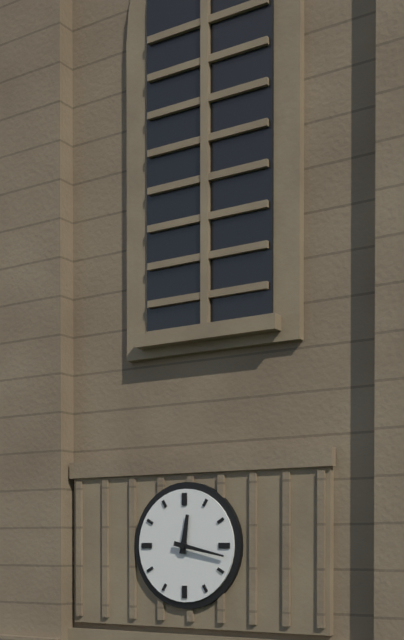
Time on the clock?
12:17
